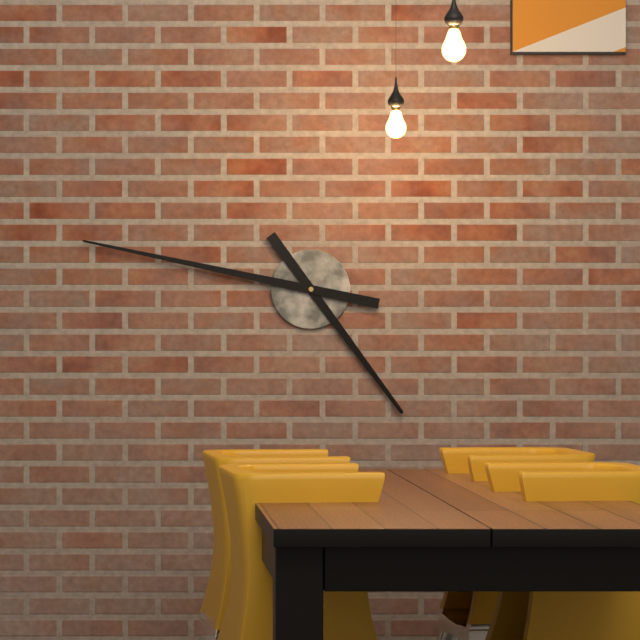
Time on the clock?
4:47
